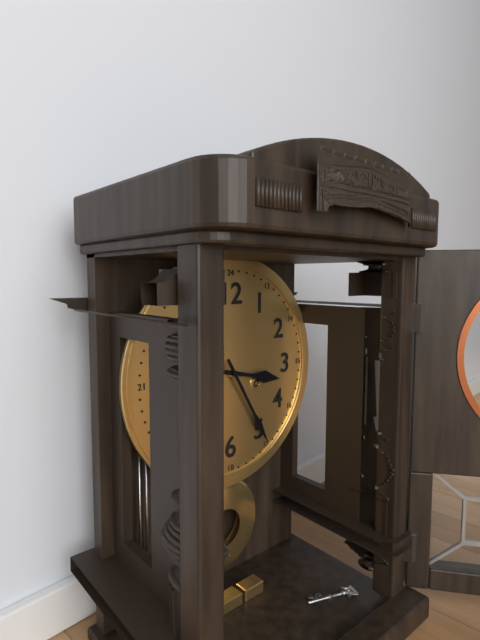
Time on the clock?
3:25
